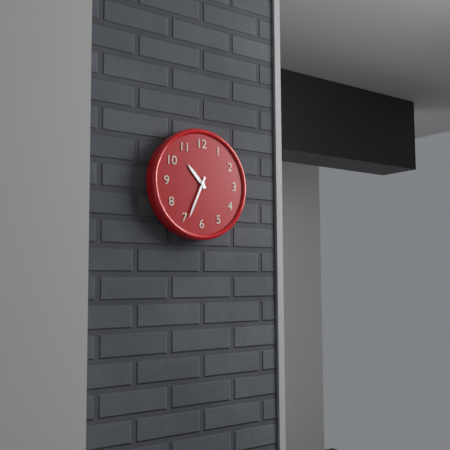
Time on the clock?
10:34
